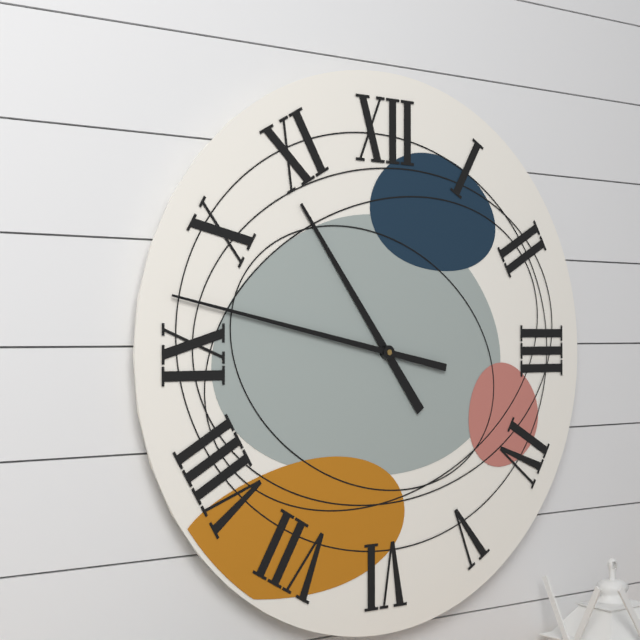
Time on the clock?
10:47
